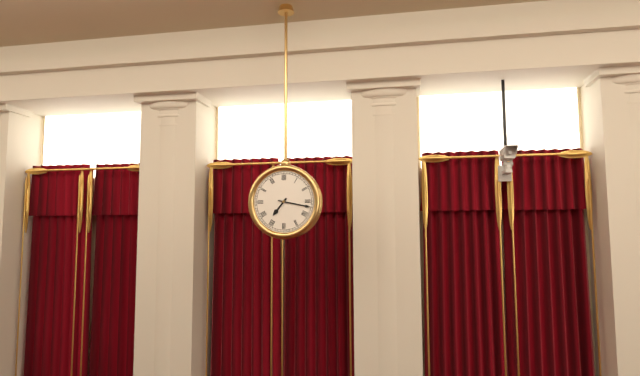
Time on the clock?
7:17
